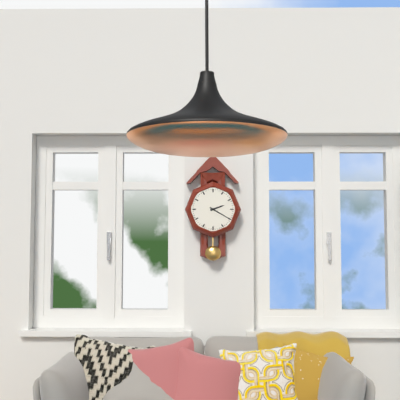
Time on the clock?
2:20
